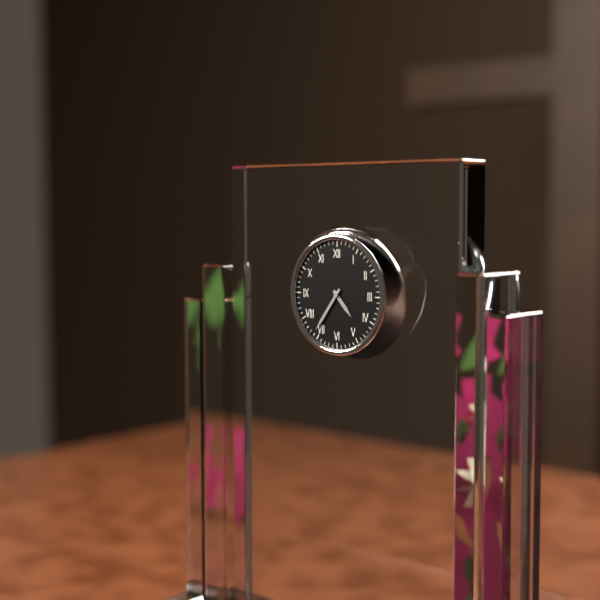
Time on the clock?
4:36
